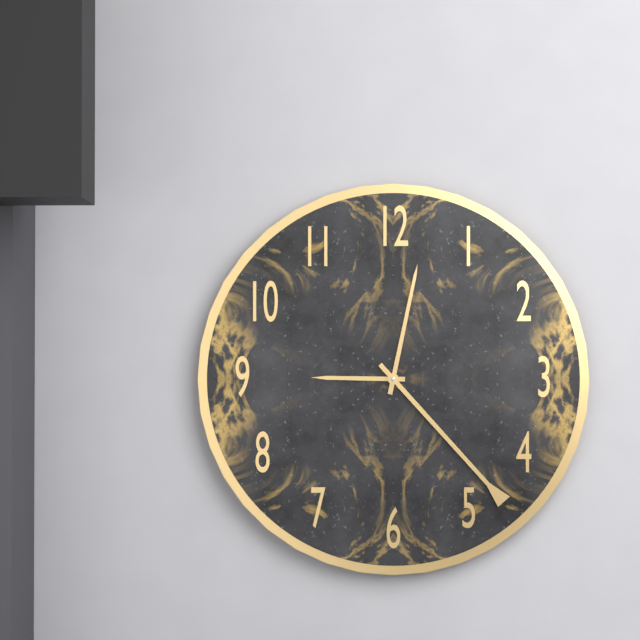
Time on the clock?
9:02:23
